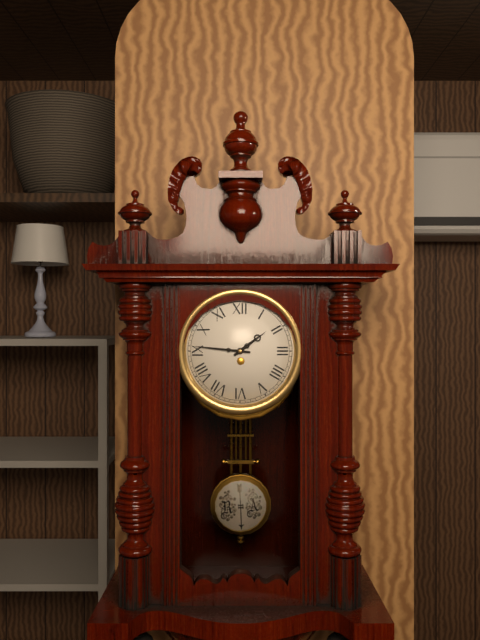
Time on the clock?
1:46
